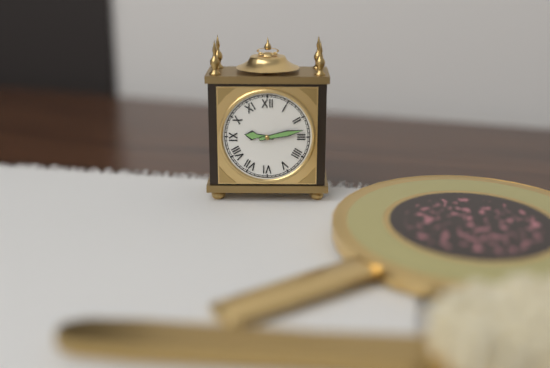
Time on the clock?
9:13
